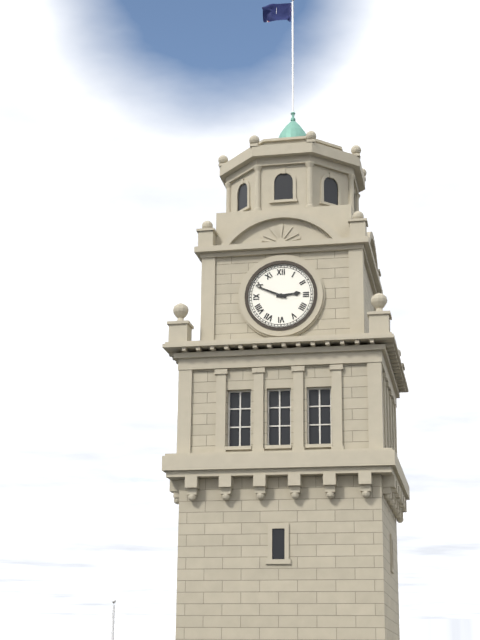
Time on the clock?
2:49
